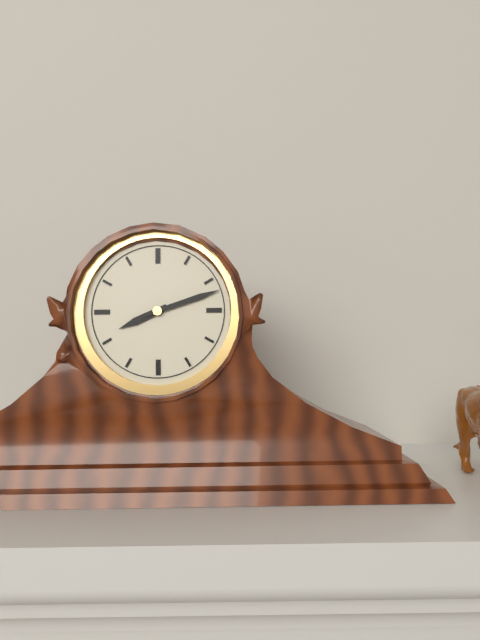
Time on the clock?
8:12
